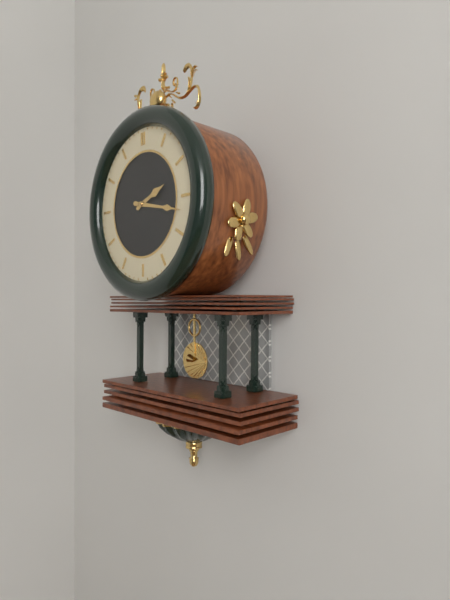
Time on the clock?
2:17
